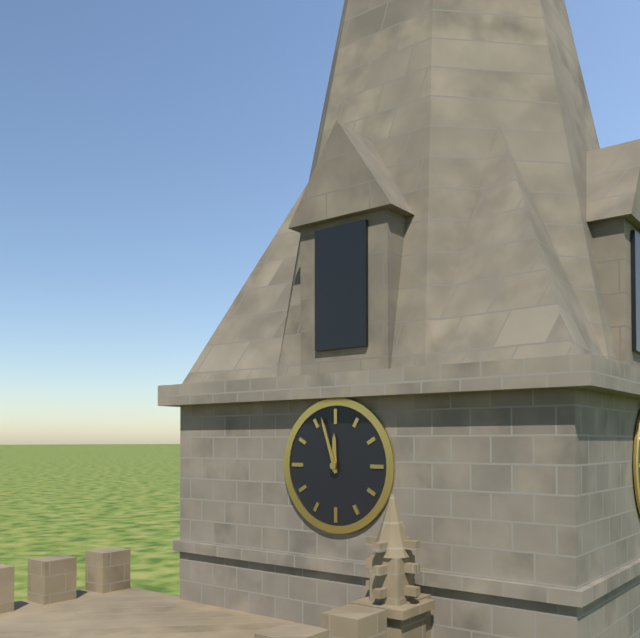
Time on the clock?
11:57
